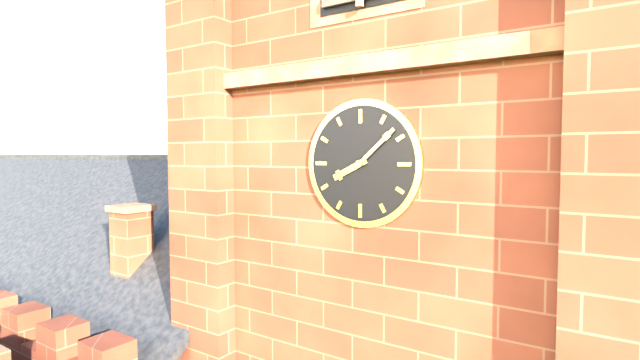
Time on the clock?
8:08
